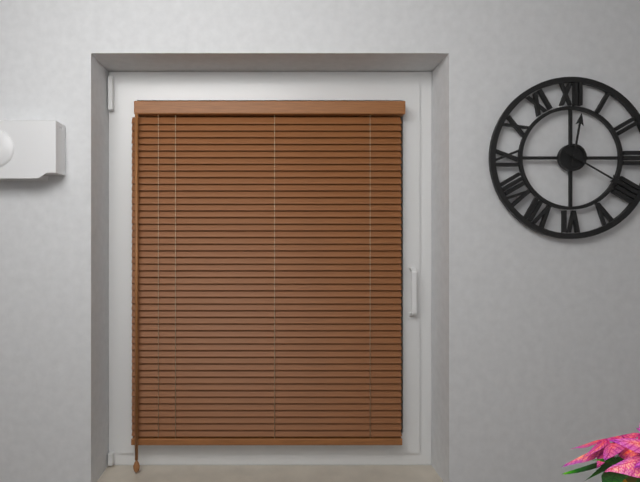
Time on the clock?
12:20
